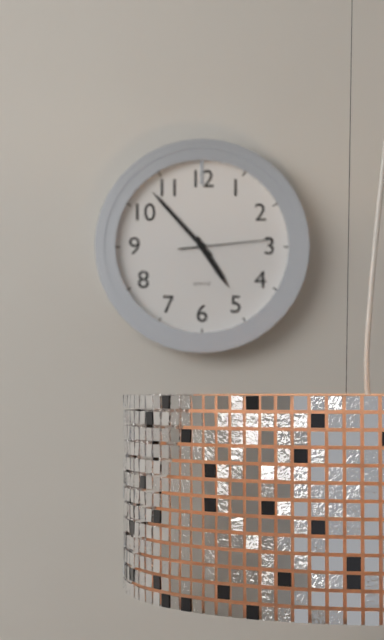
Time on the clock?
4:53:14
